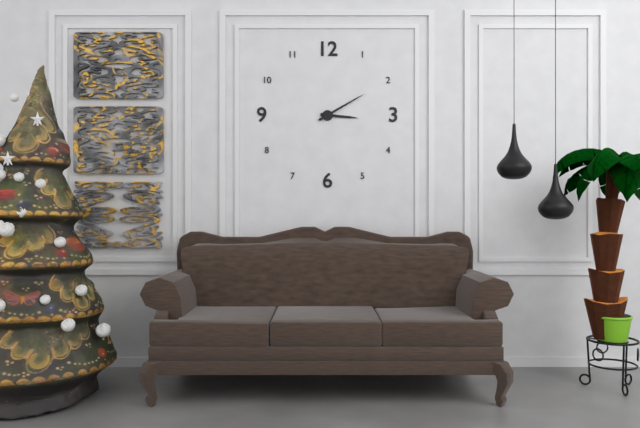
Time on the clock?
3:10
